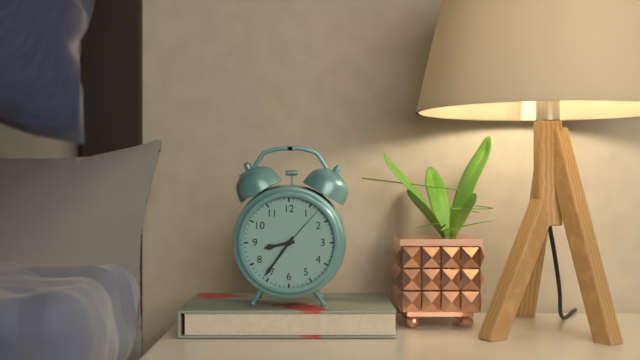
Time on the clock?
8:36:07
